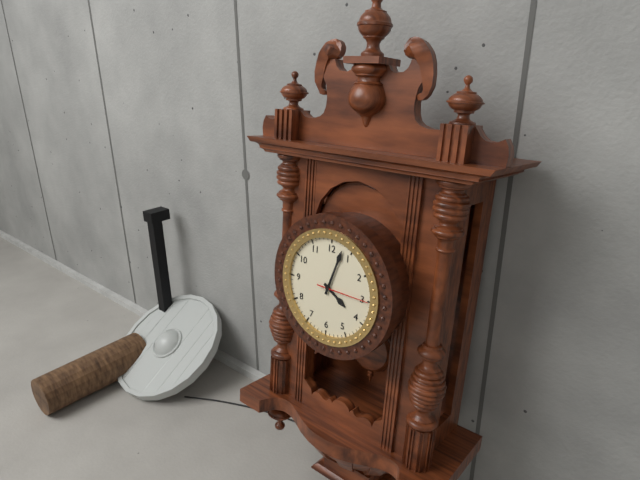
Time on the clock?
4:03:15
